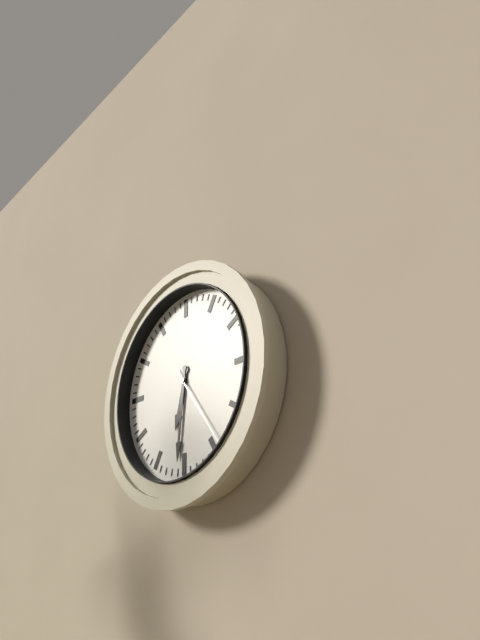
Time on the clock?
6:31:24
